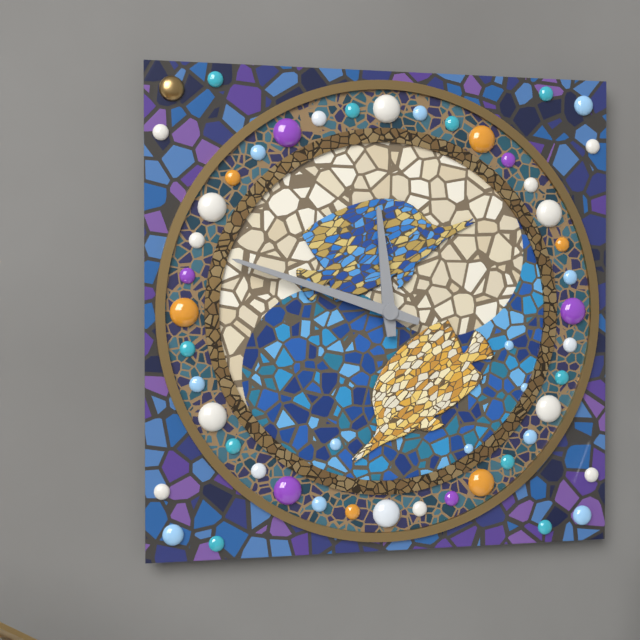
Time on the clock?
11:48
